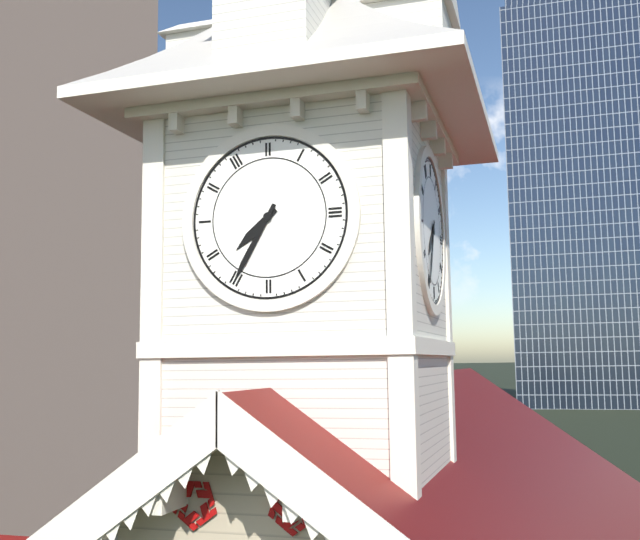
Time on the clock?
7:35
